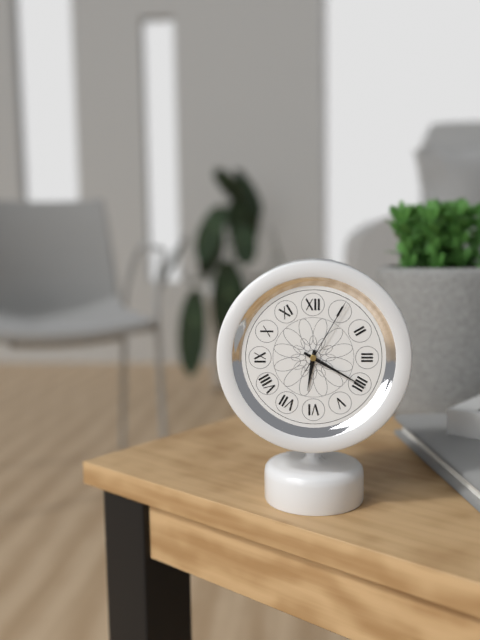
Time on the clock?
6:20:05
